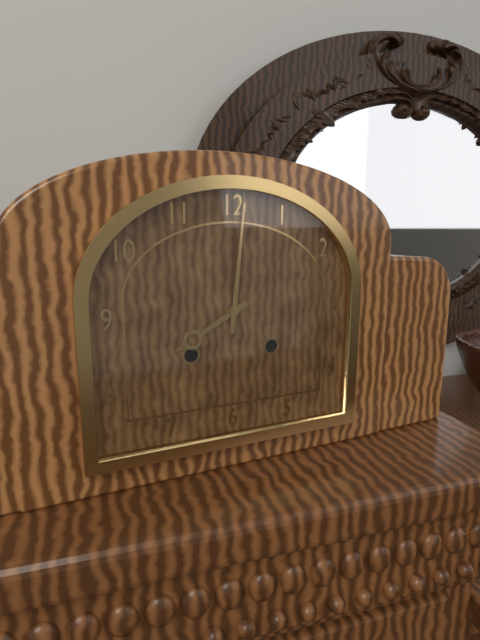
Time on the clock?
8:01
